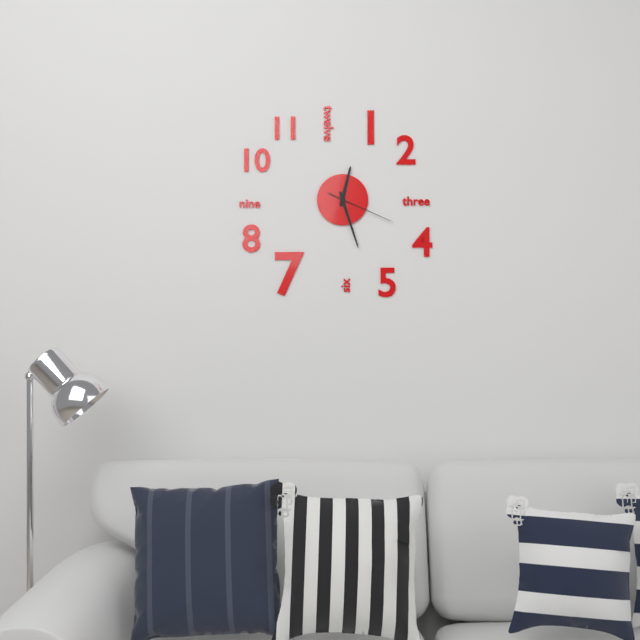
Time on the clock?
12:27:19
